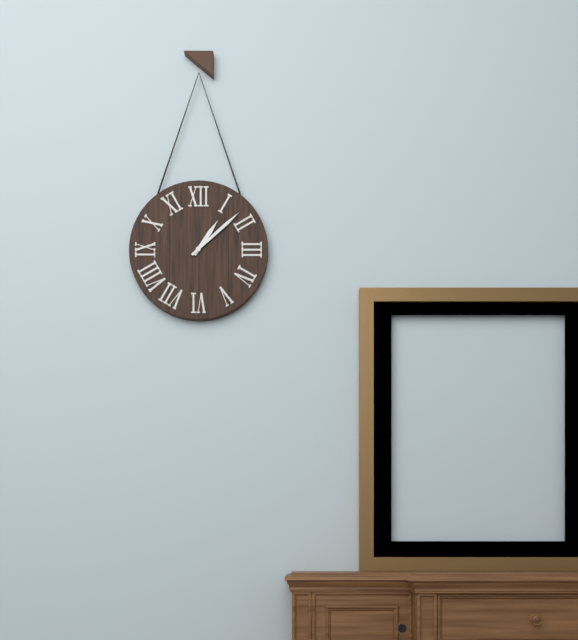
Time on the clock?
1:08
